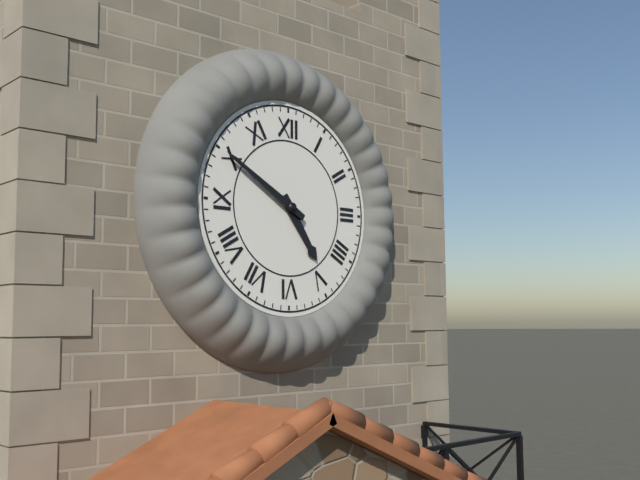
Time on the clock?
4:50
